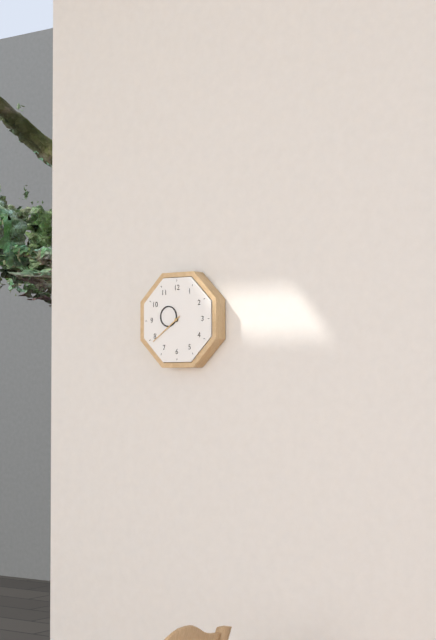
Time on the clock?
9:39
